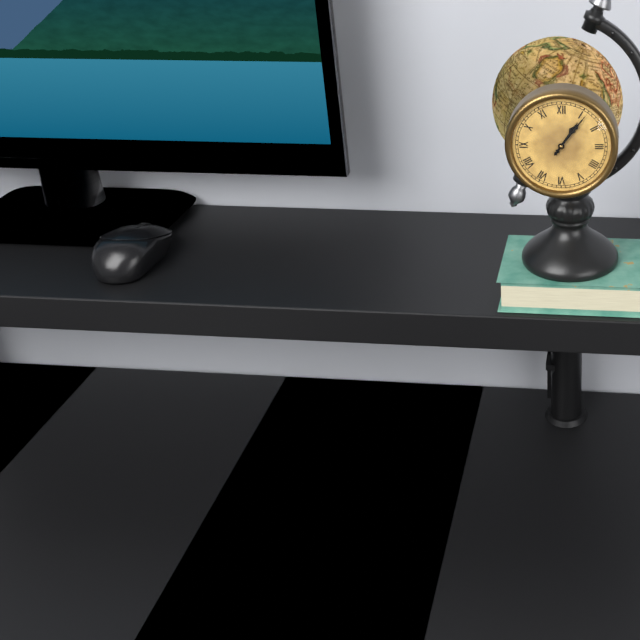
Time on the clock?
1:06
